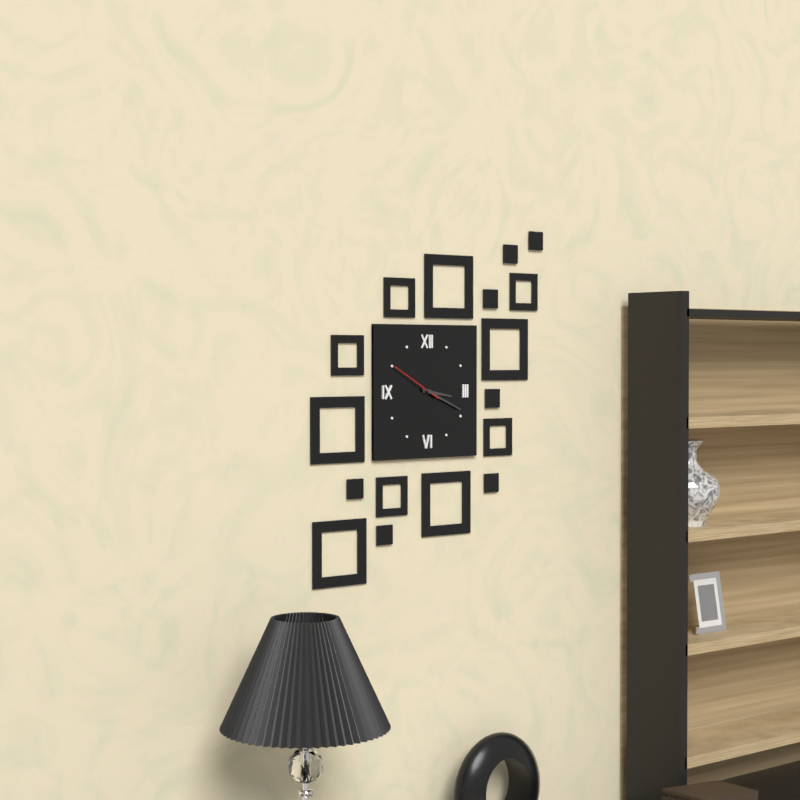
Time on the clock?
3:19:50
